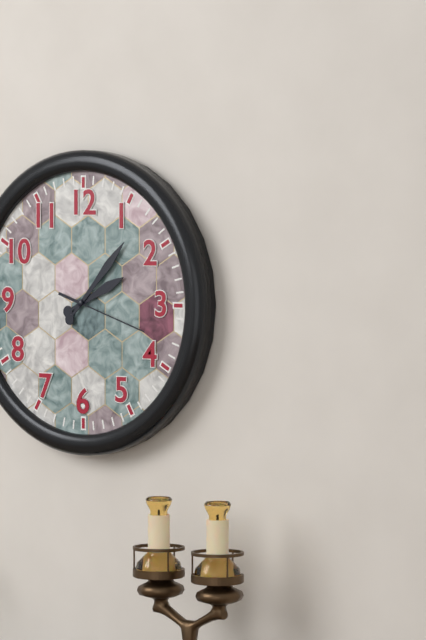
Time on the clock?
2:07:18
